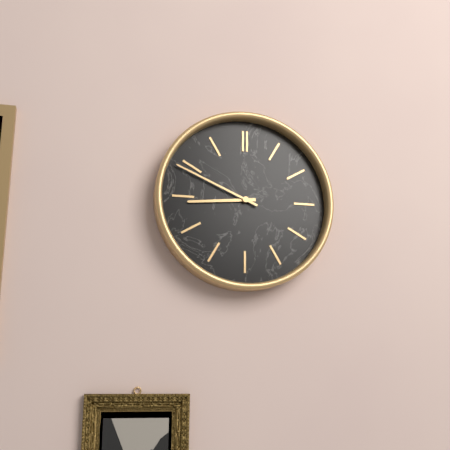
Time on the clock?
8:49
